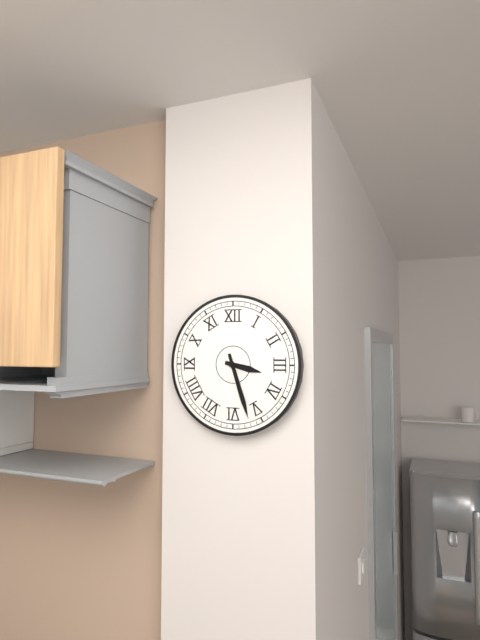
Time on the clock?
3:27
